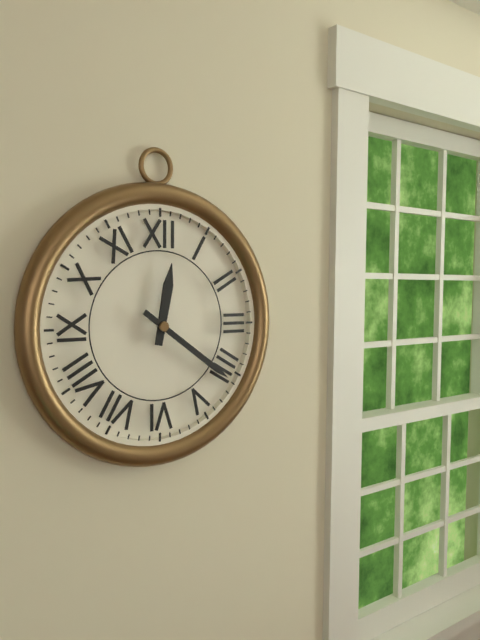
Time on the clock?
12:21
